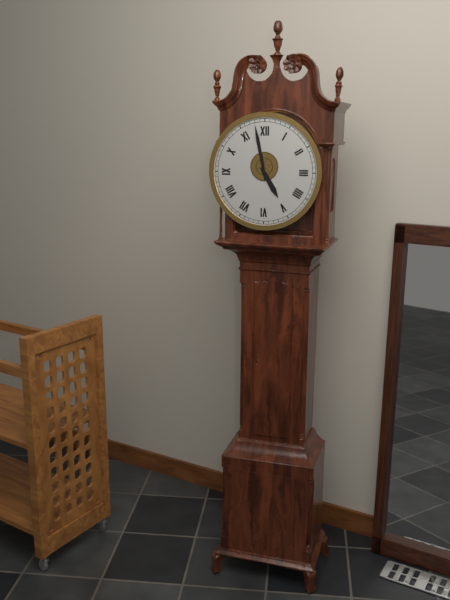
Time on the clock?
4:58
